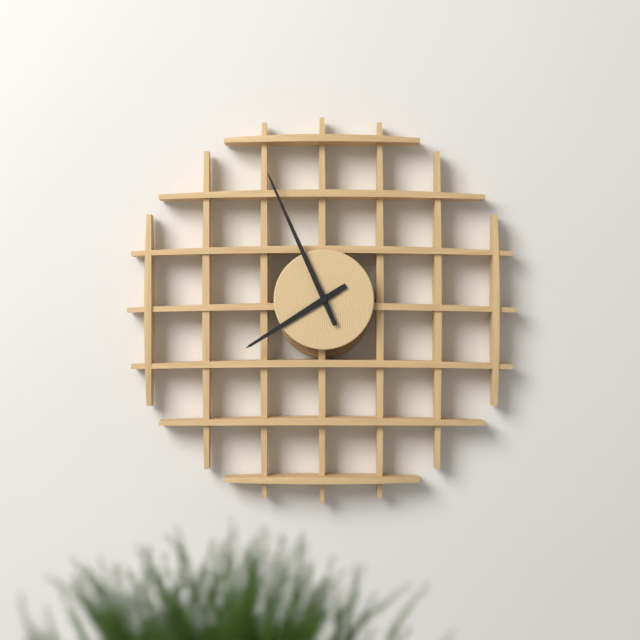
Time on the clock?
7:56
